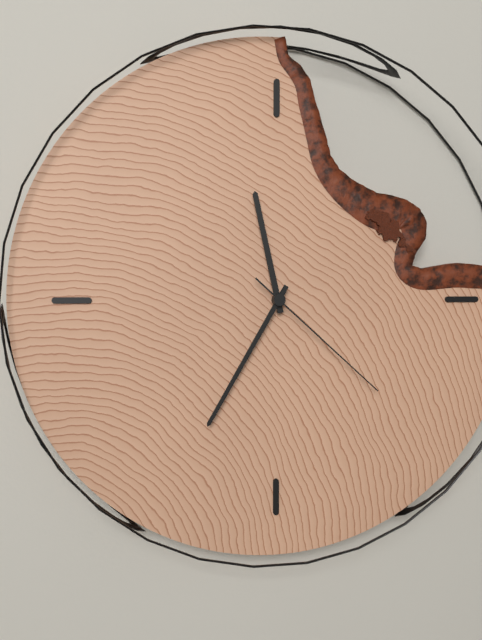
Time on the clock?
11:35:22
